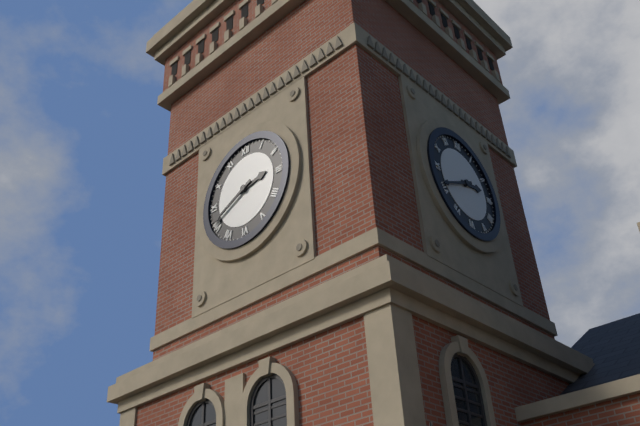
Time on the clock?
2:41
